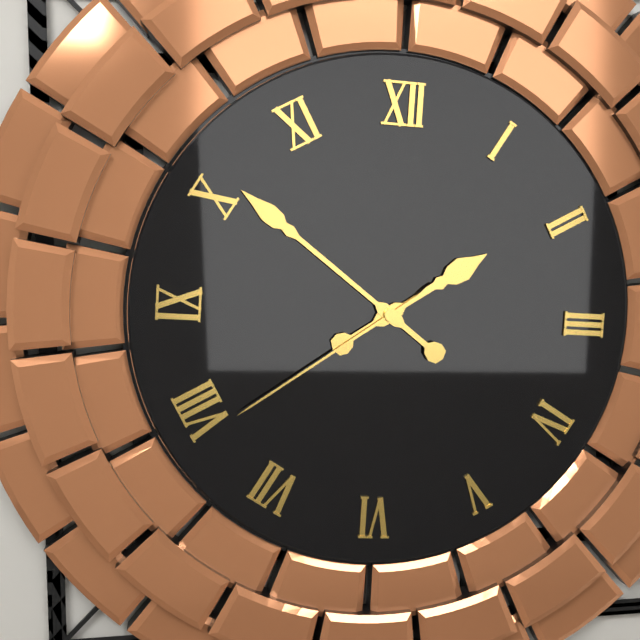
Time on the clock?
1:51:39
